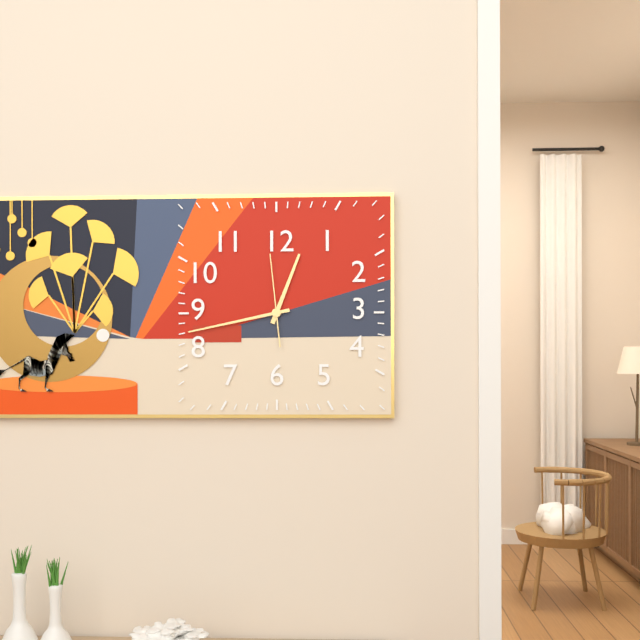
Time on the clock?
12:43:59
